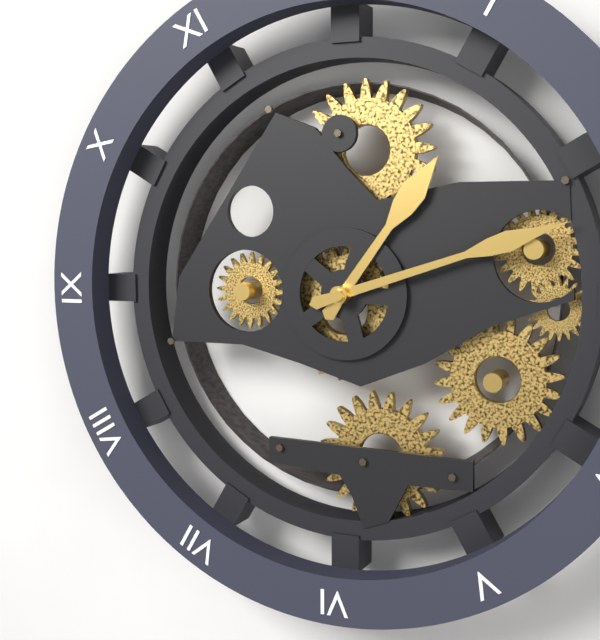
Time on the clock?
1:12
